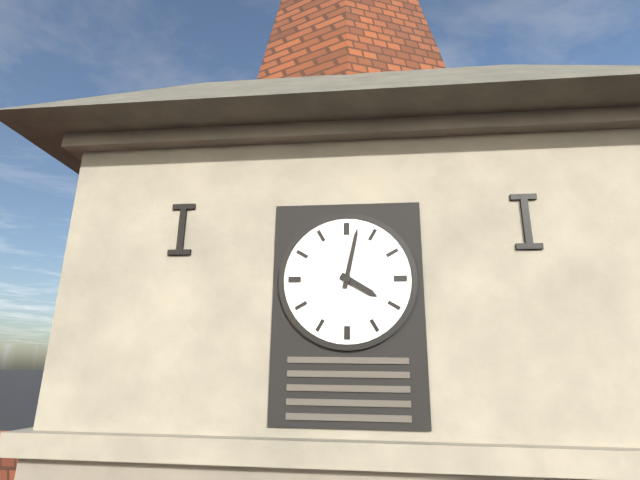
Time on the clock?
4:02
